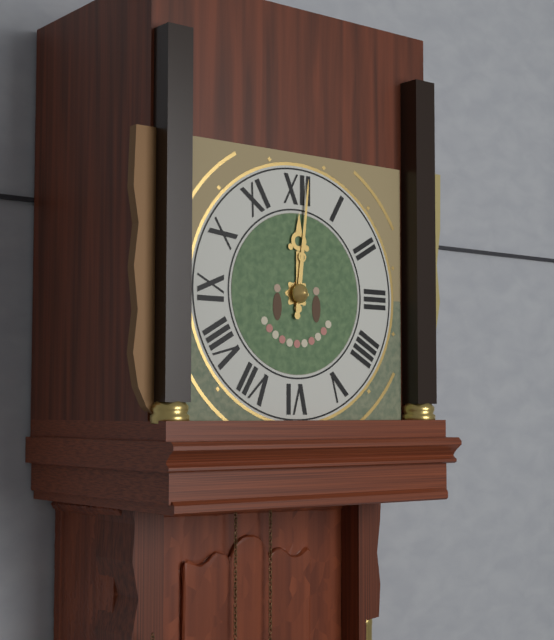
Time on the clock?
12:01
